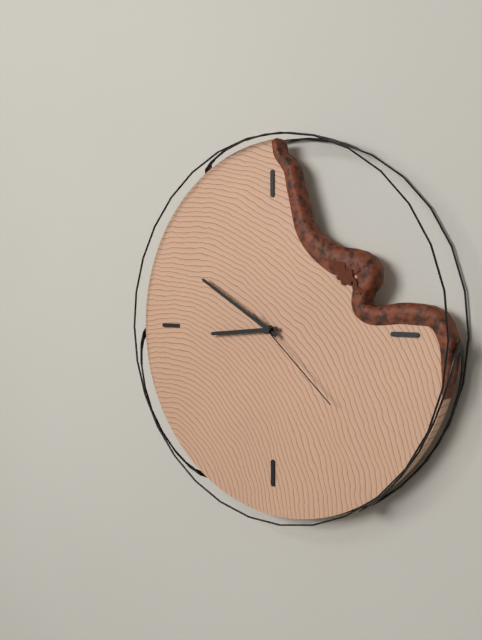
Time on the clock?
8:50:22
